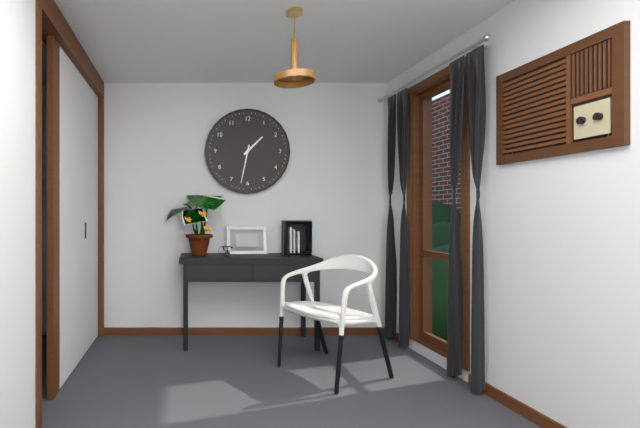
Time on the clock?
1:32
